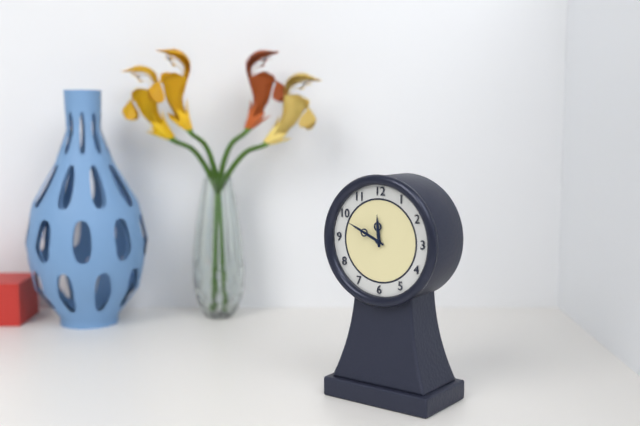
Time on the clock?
11:49
